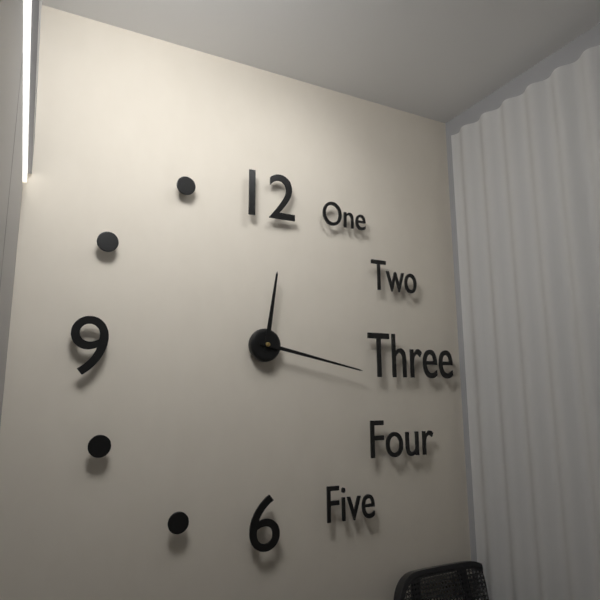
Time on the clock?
12:17
